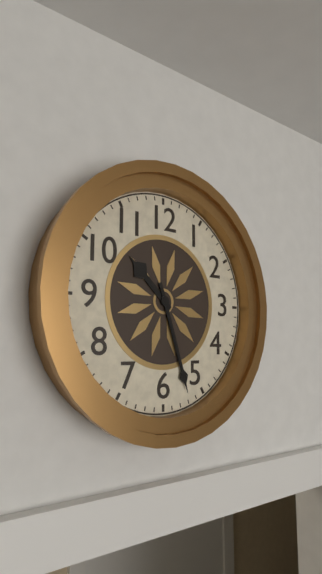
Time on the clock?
10:27
